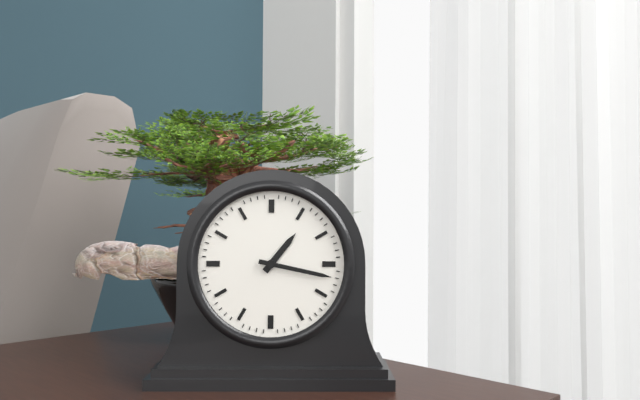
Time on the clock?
1:17
